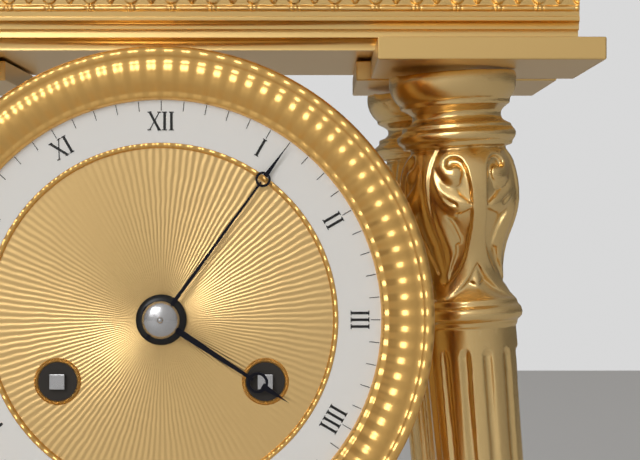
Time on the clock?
4:06
